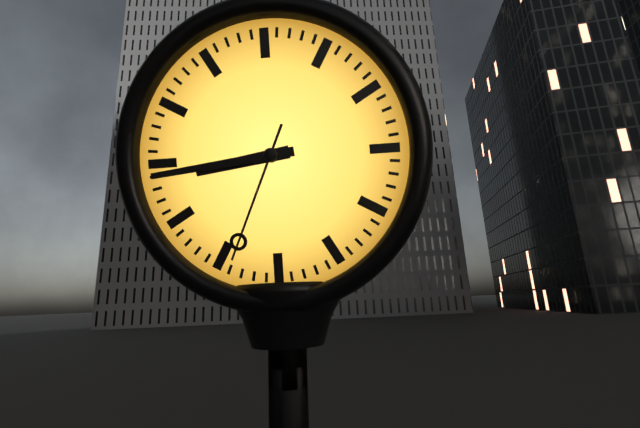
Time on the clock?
8:44:34
